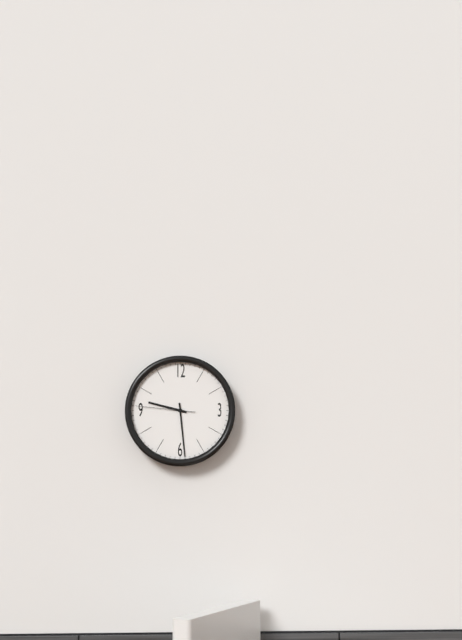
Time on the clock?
9:29:46
